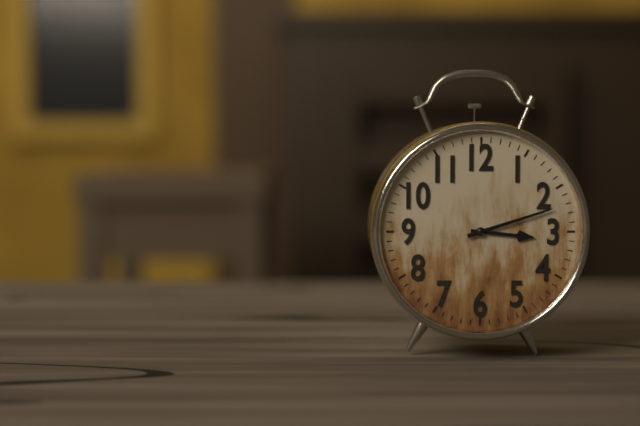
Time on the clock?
3:12
